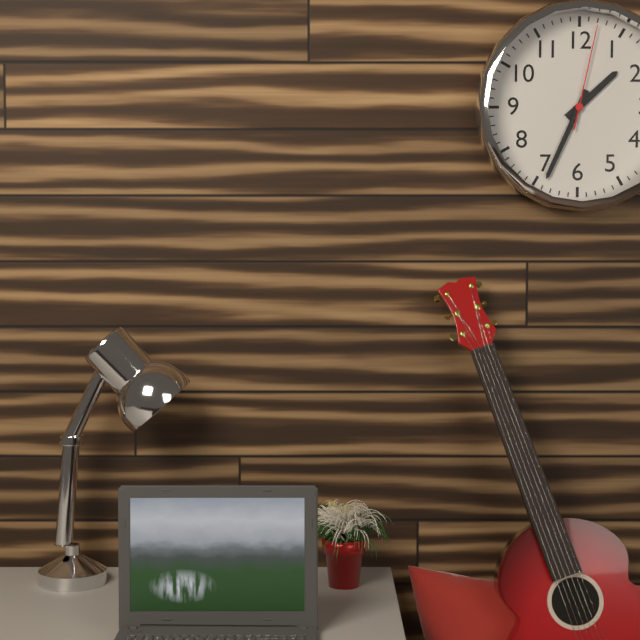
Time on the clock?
1:34:02
